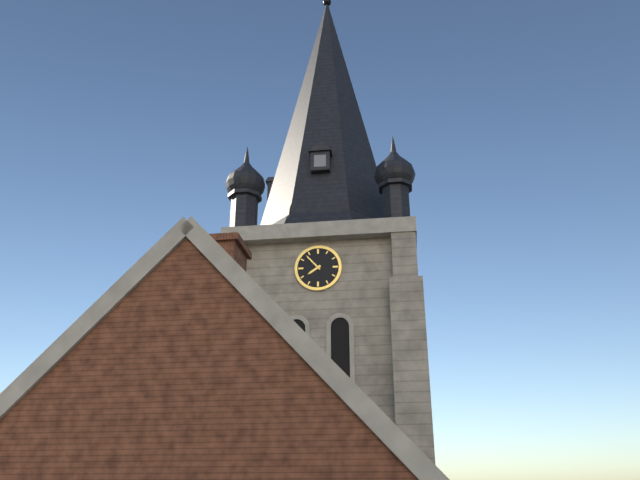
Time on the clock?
7:53
